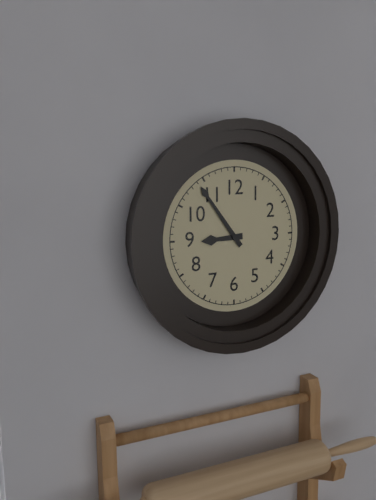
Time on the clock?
8:54
